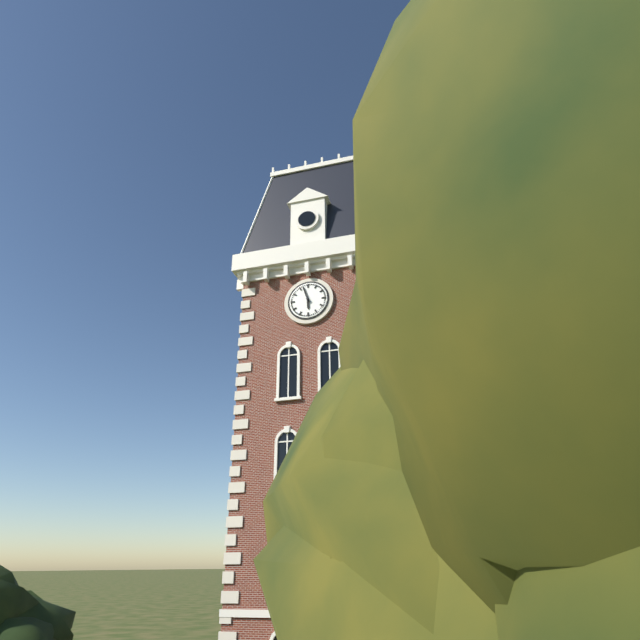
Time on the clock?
5:57
